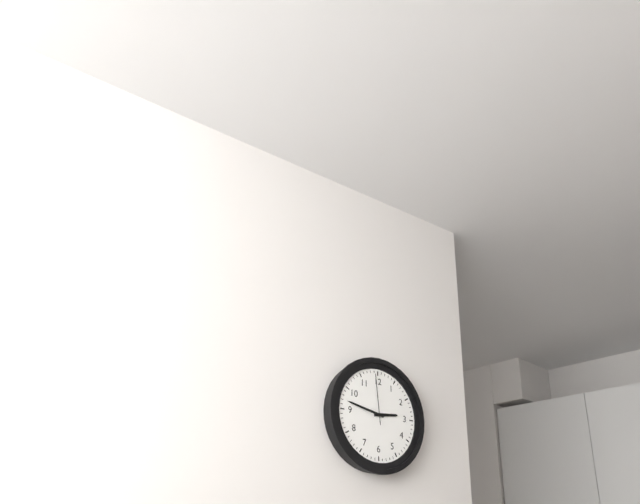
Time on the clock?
2:47:59
